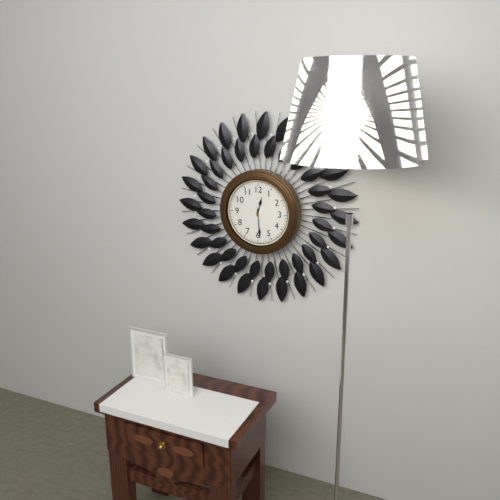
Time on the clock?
12:29
